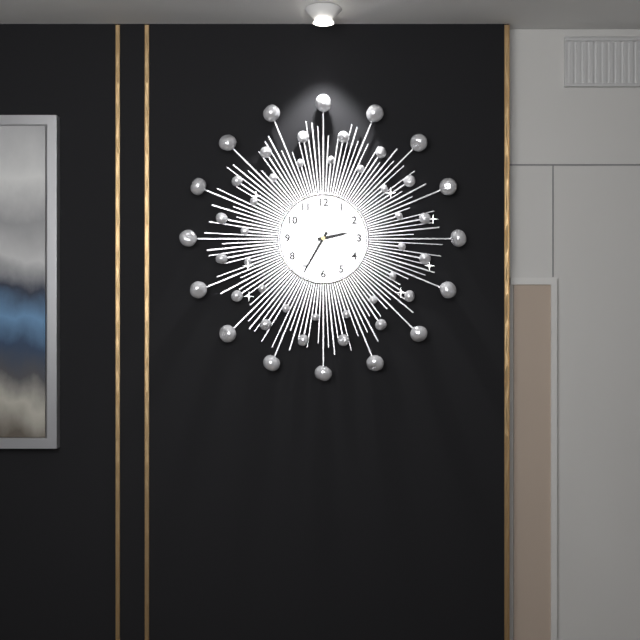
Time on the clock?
2:35
